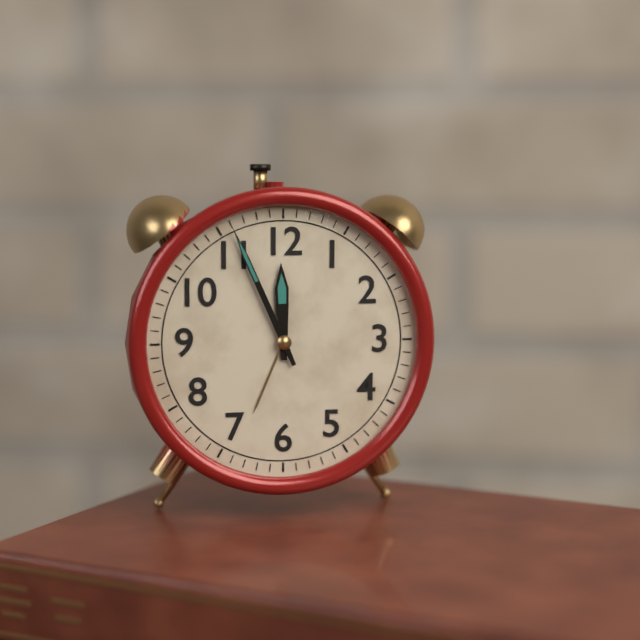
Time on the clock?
11:56
